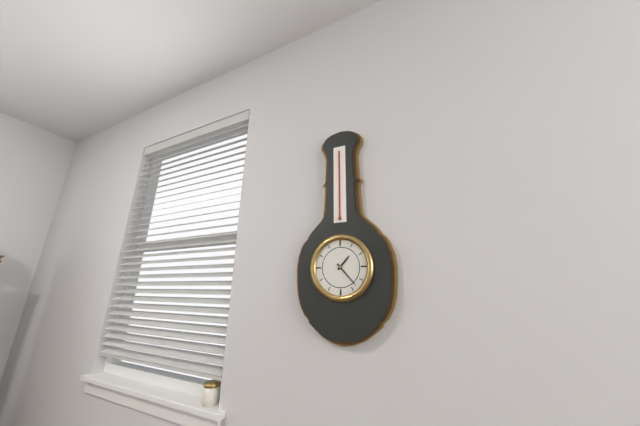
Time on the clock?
1:23
